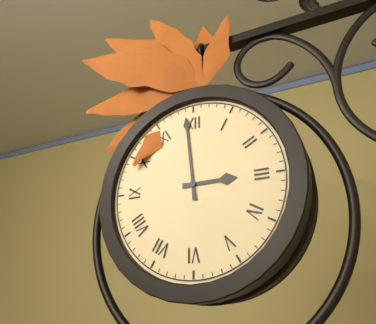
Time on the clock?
2:59
